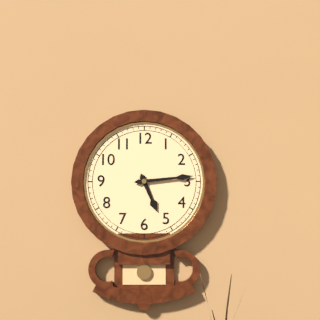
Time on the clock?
5:14
